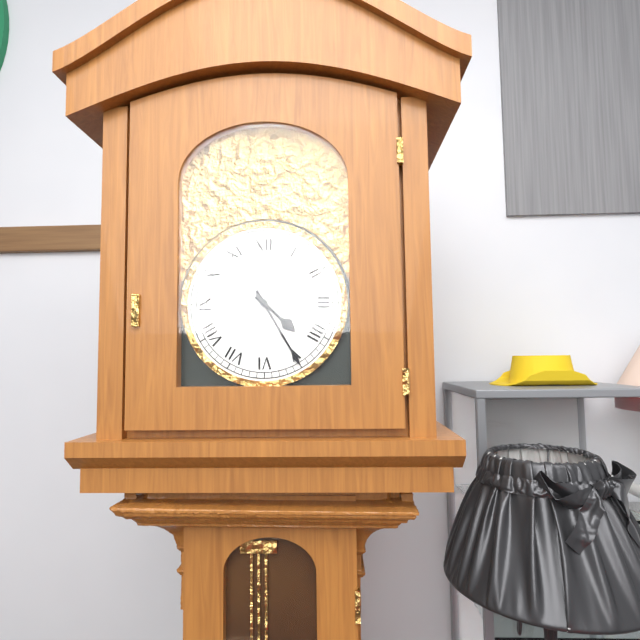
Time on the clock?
4:25
